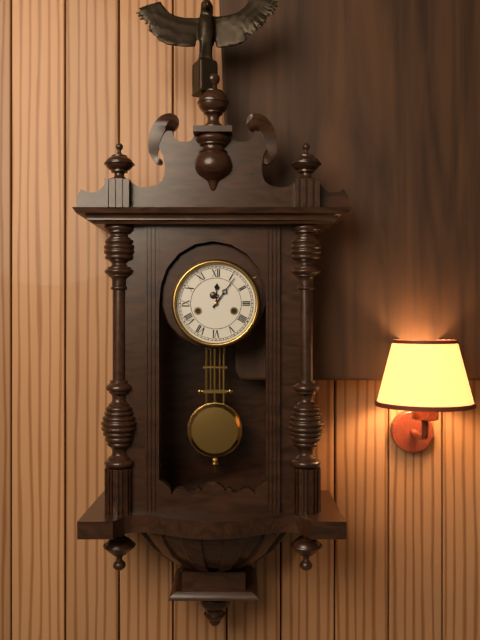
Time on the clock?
12:06
